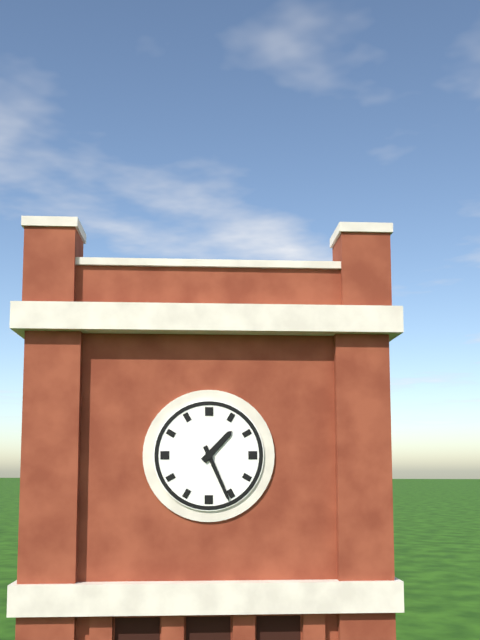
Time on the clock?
1:26
